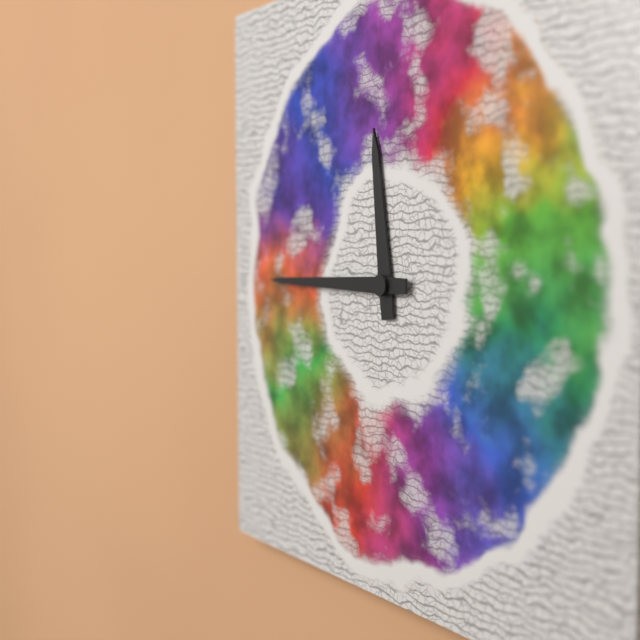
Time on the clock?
11:45
